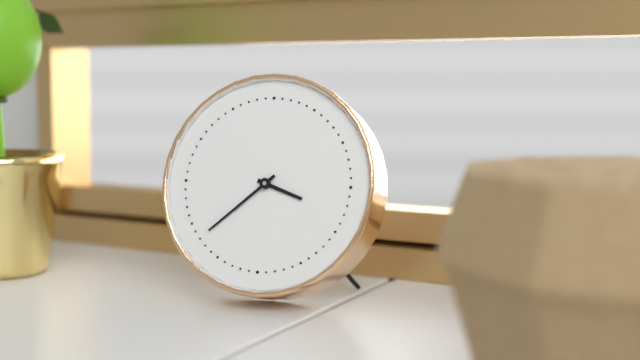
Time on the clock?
3:38
